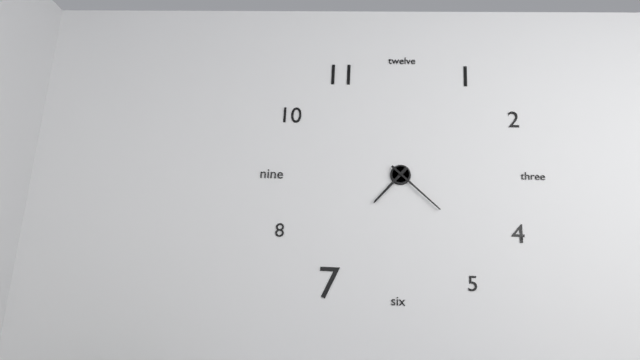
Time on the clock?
7:22
